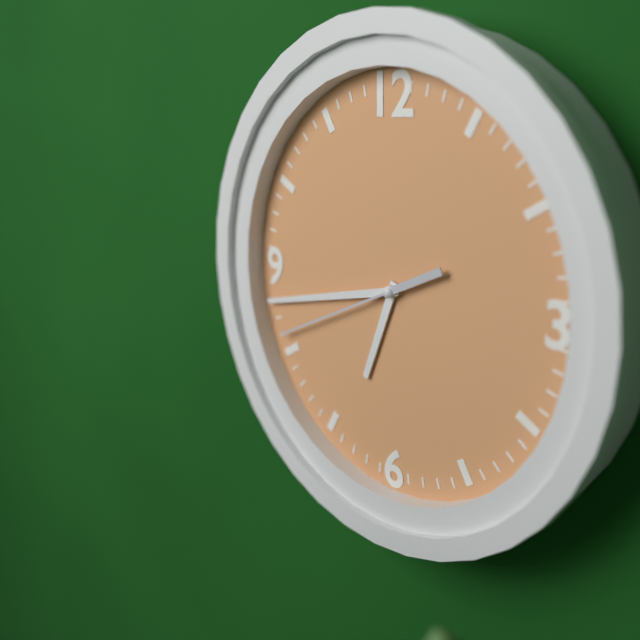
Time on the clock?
6:43:41
